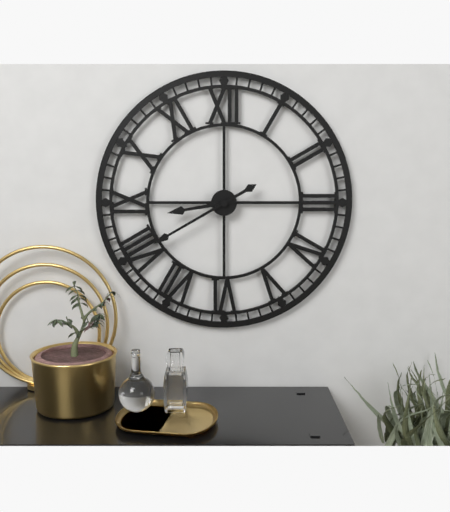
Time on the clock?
8:40
